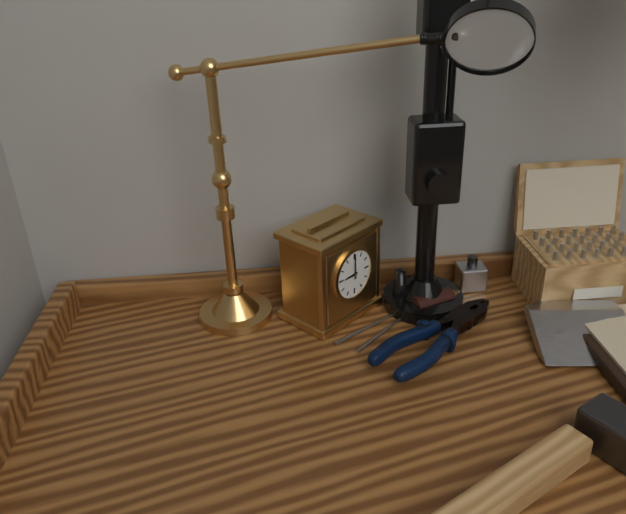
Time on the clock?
9:00
